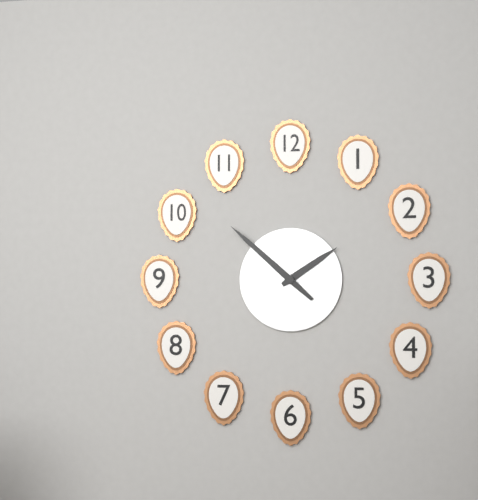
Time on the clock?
1:52
